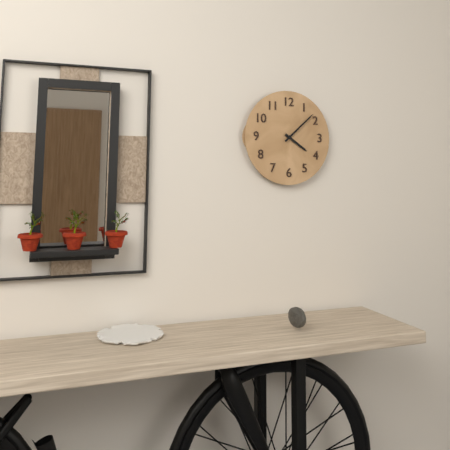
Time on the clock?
4:08
